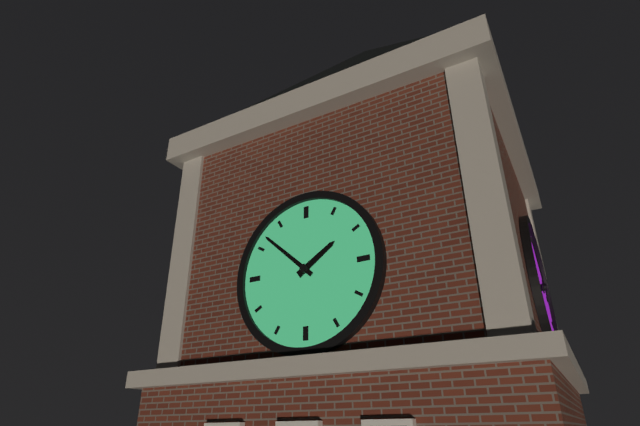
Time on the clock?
1:52
